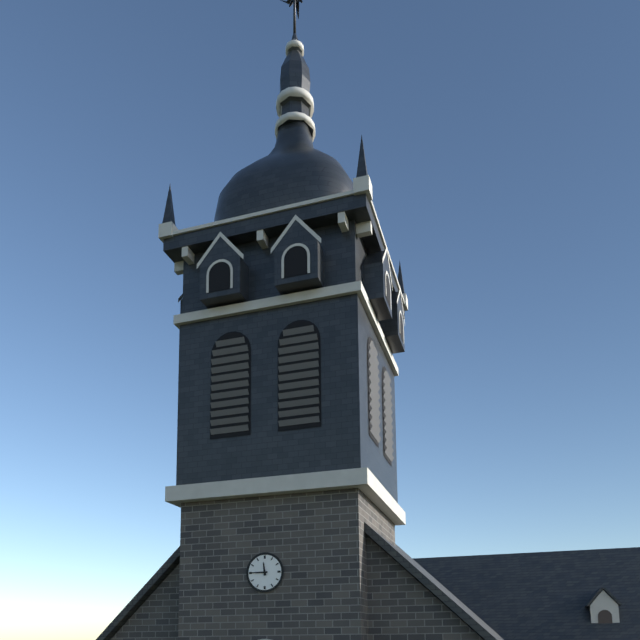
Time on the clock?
11:45
